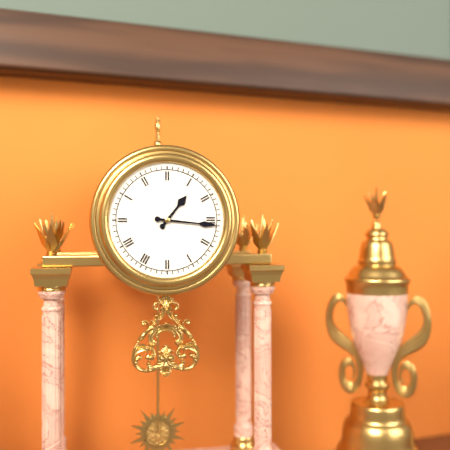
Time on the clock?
1:16
